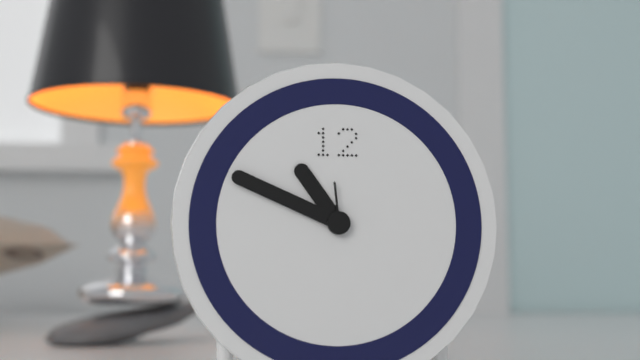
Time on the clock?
10:49:59
